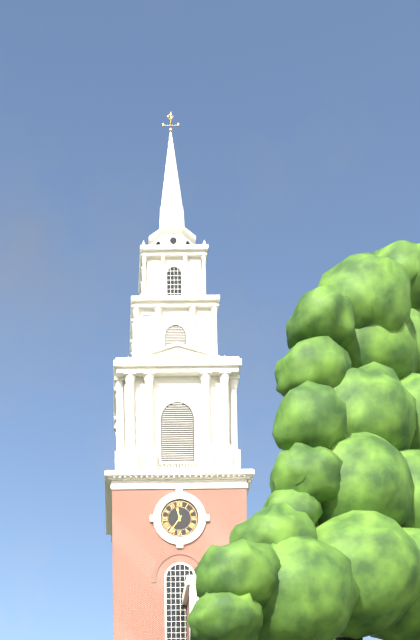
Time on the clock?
11:36
